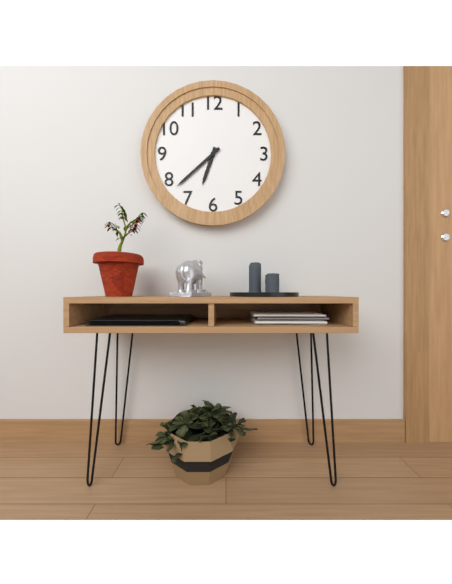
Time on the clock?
6:38
